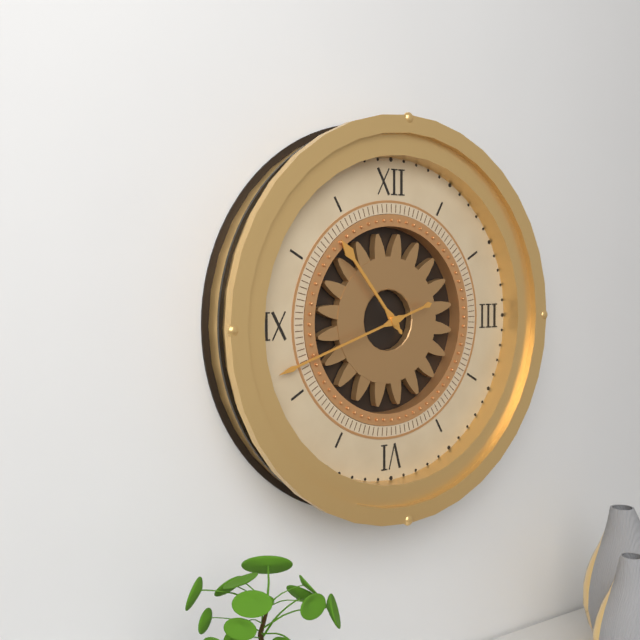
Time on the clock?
10:42
